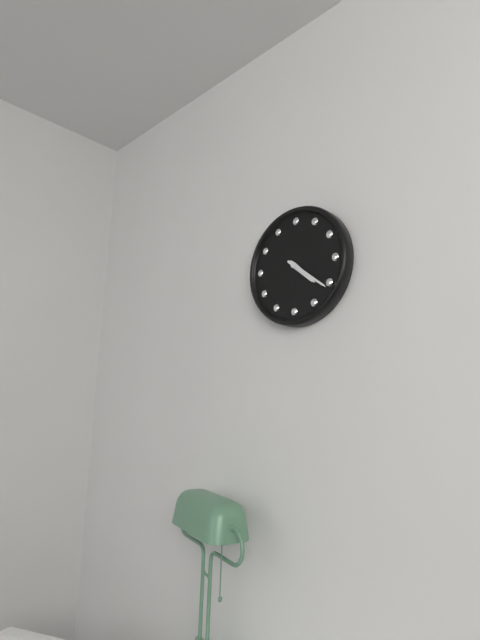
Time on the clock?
4:21
